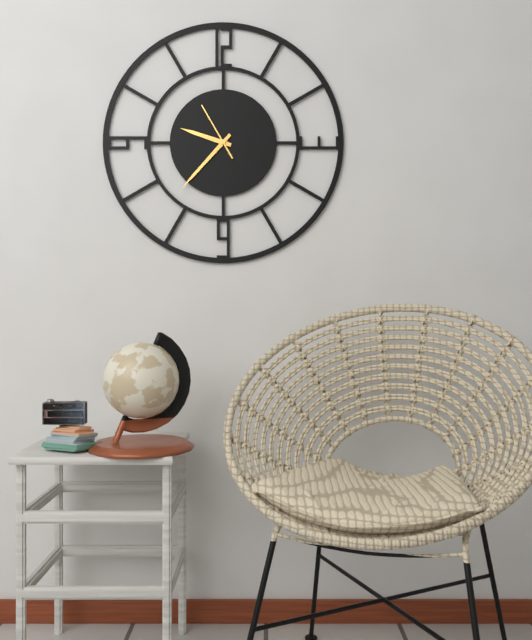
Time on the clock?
9:37:55
